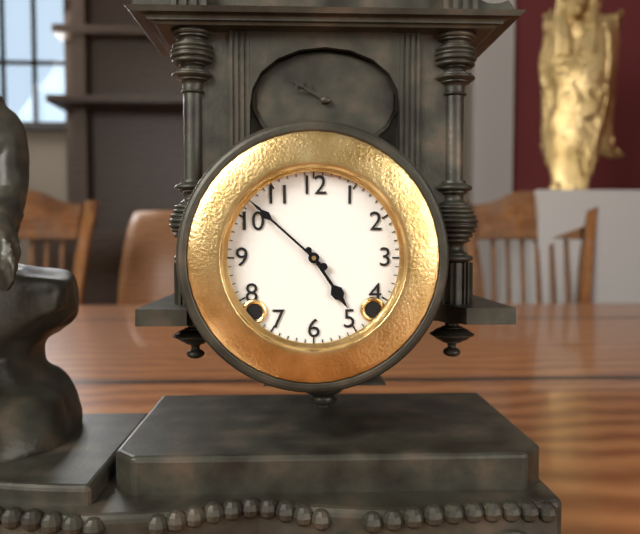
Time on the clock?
4:52
